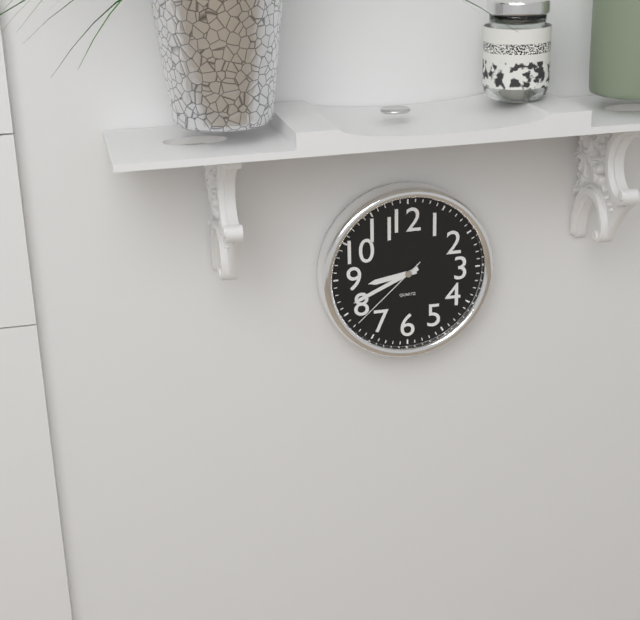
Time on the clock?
8:41:38
